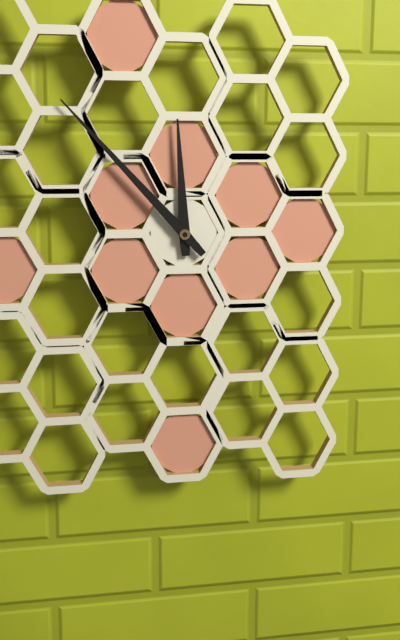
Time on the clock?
11:53
